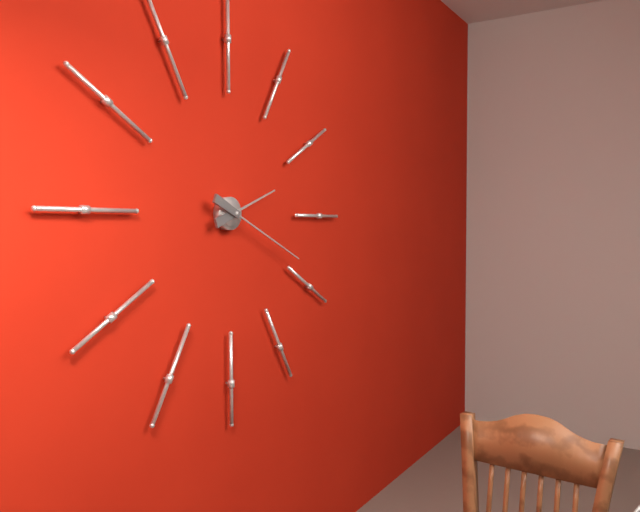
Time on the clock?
2:19
